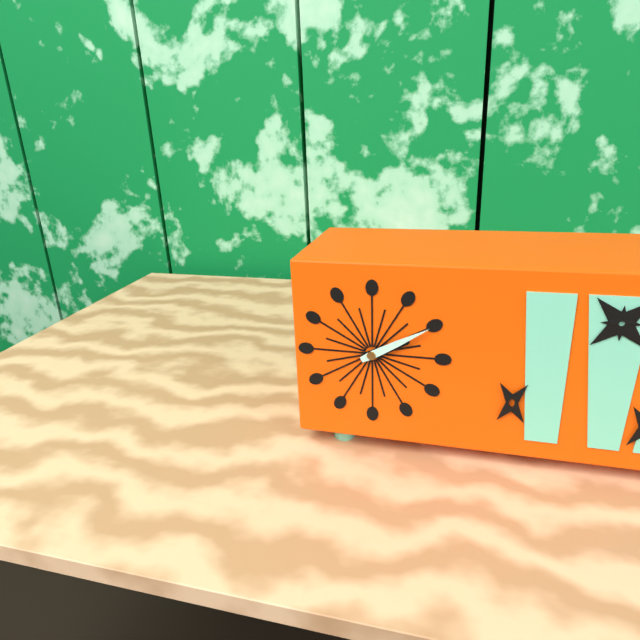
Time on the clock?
2:10
